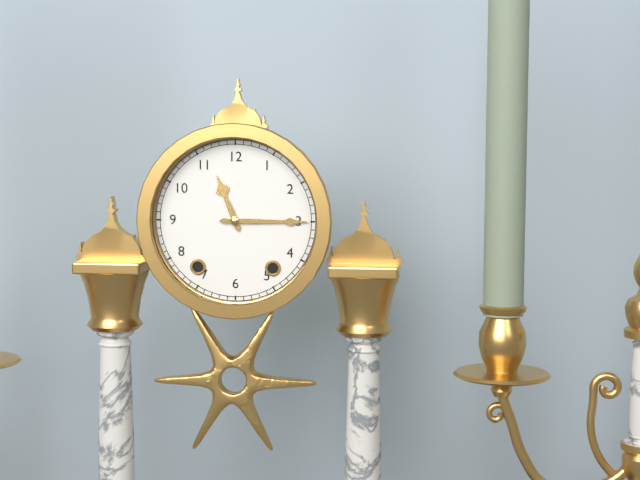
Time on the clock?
11:15
